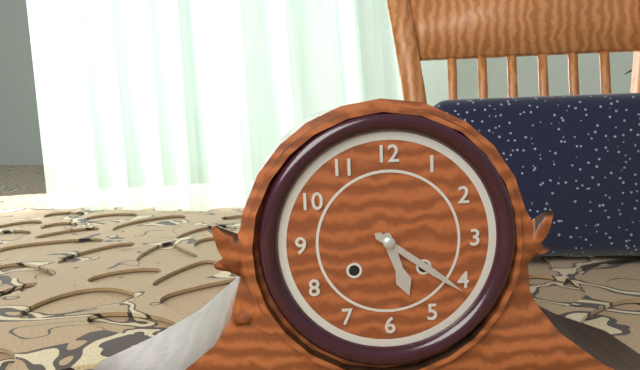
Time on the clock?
5:21
